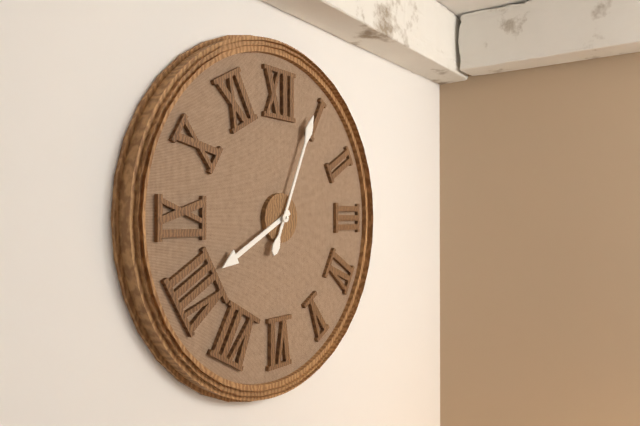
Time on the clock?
8:04
